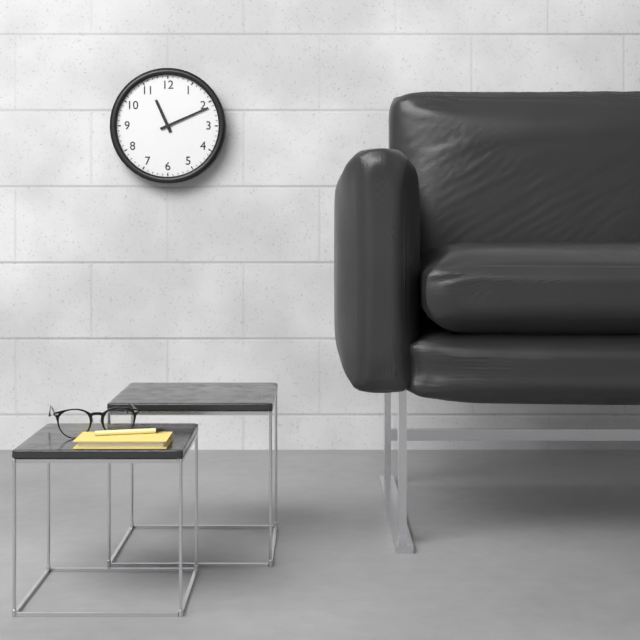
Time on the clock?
11:11
